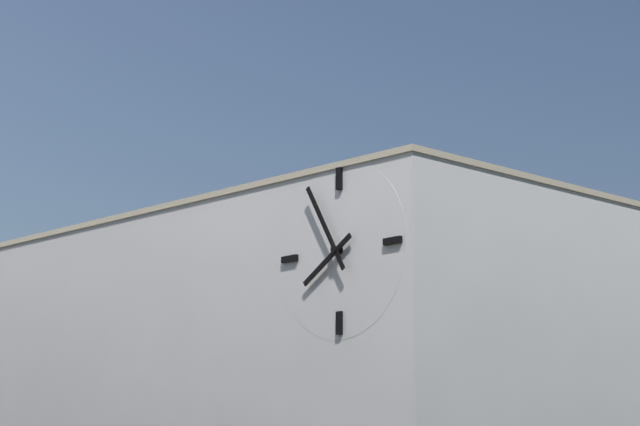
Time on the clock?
7:55
